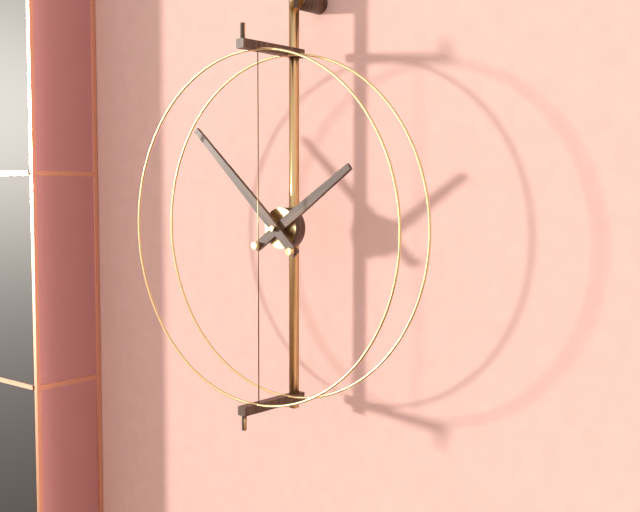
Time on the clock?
1:52
